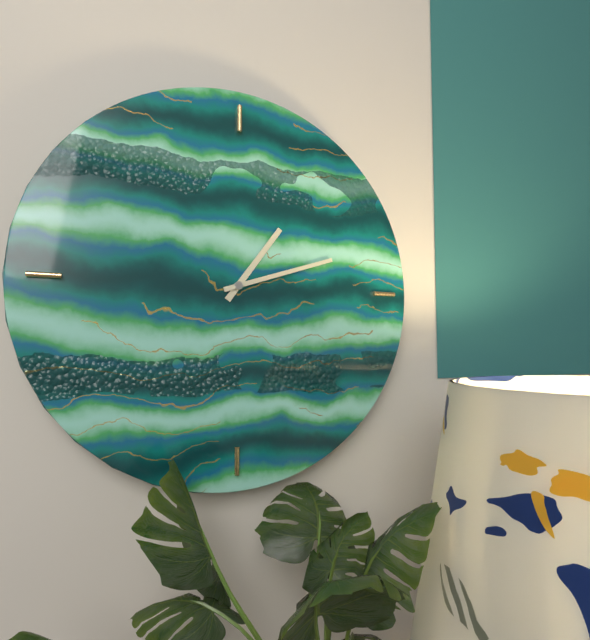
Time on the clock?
1:12
